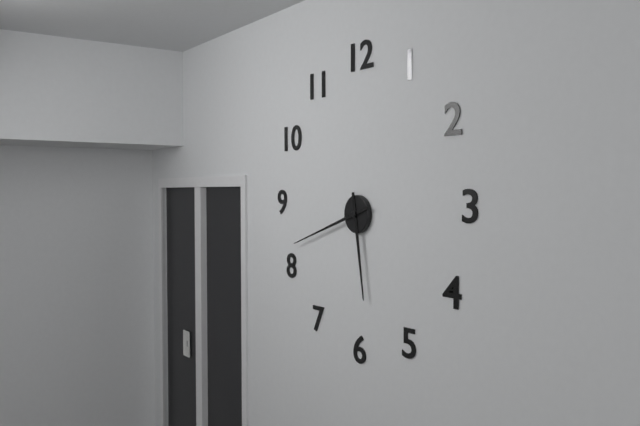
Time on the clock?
5:42
